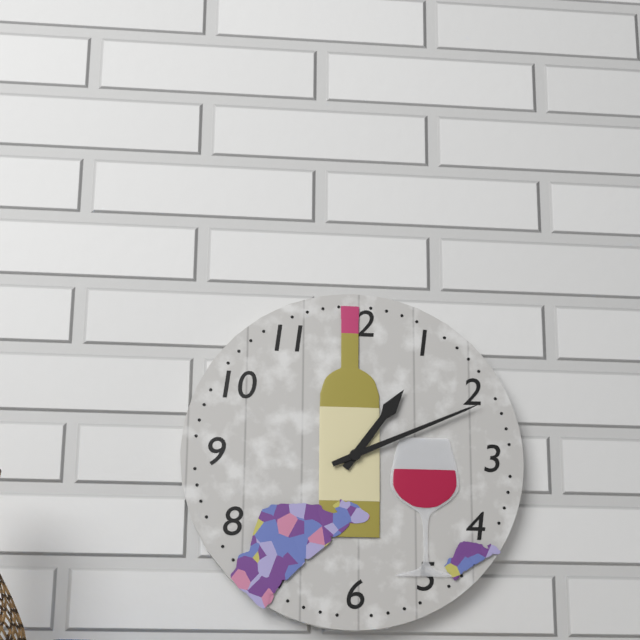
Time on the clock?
1:11
